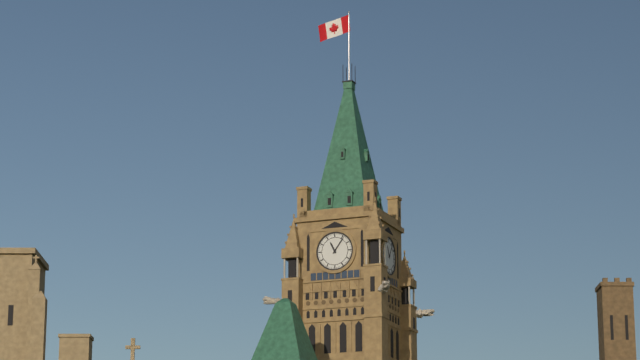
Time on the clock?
11:06
